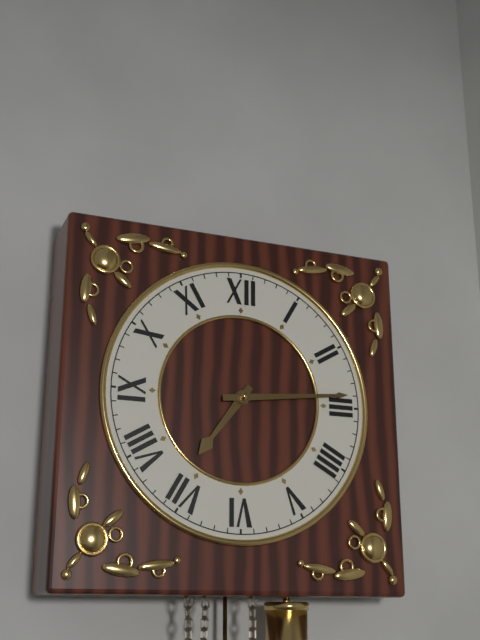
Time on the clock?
7:14
